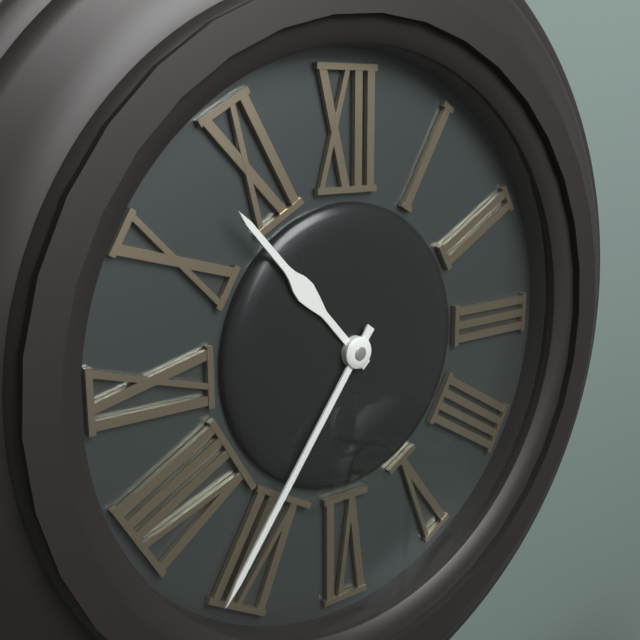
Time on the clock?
10:36
